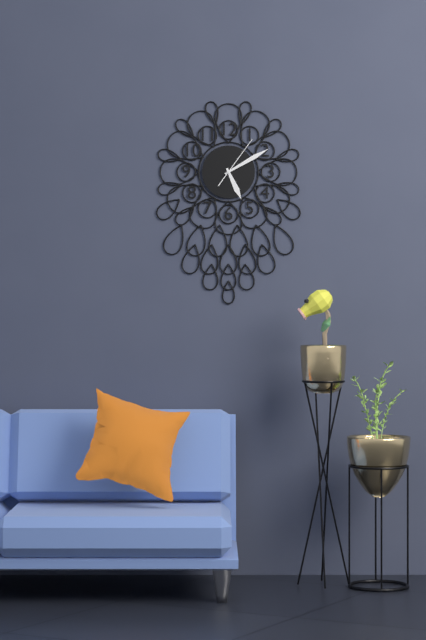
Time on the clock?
5:10:06
